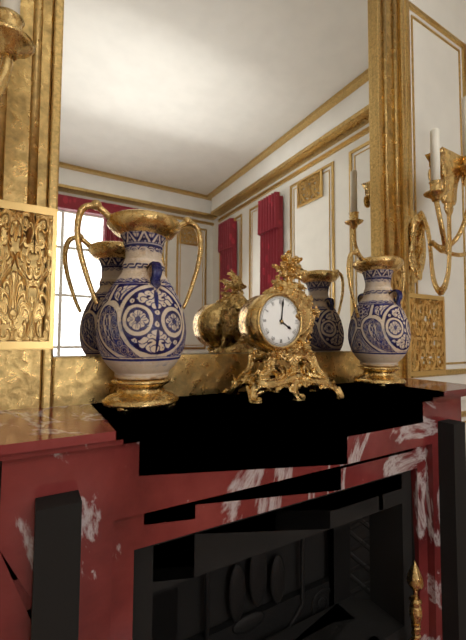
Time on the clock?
4:01
